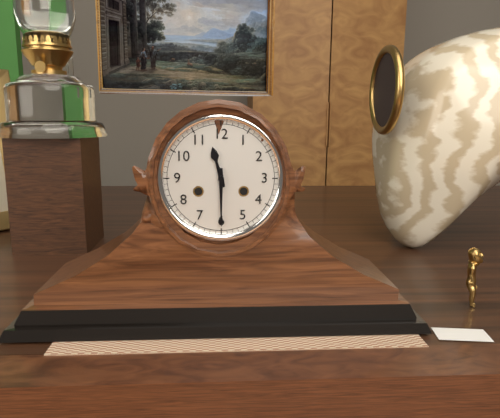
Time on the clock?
11:30
